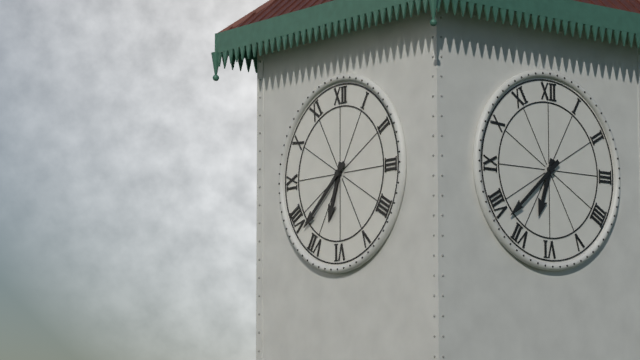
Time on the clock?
6:38
